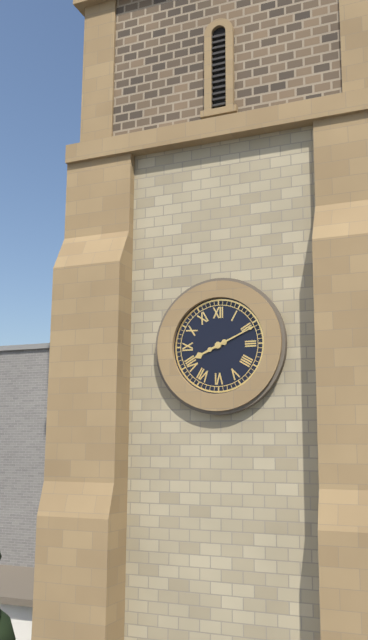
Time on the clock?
8:11
